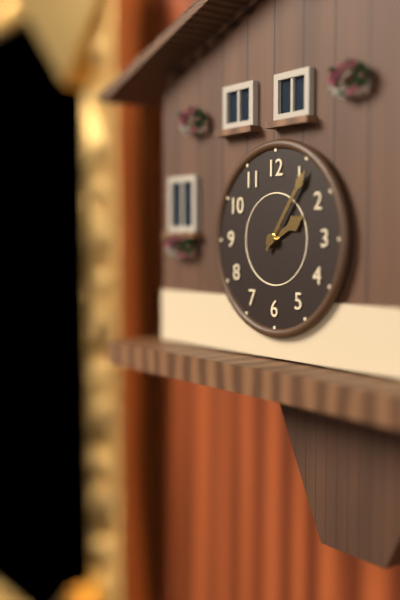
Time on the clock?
2:06
